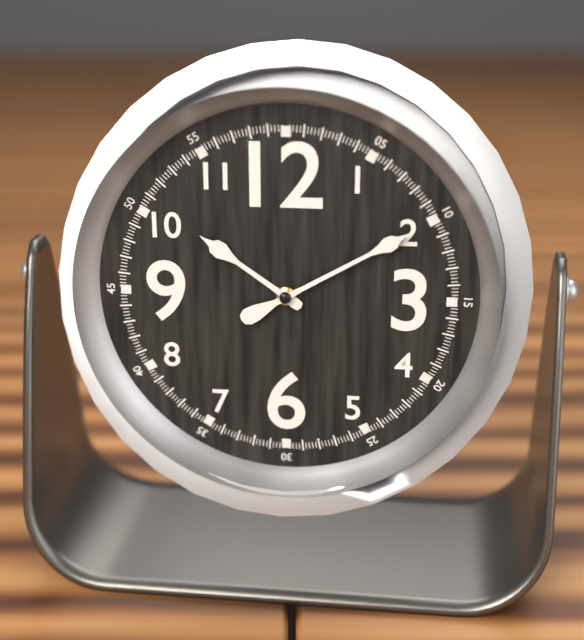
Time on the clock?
10:10
